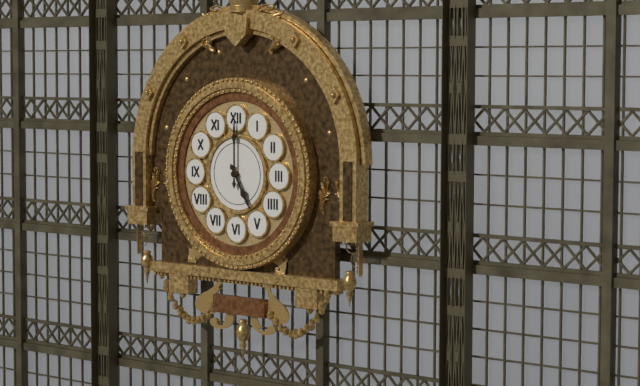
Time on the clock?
5:00
